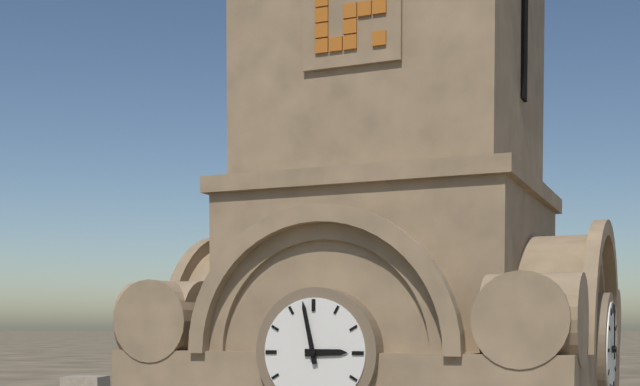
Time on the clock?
2:58
